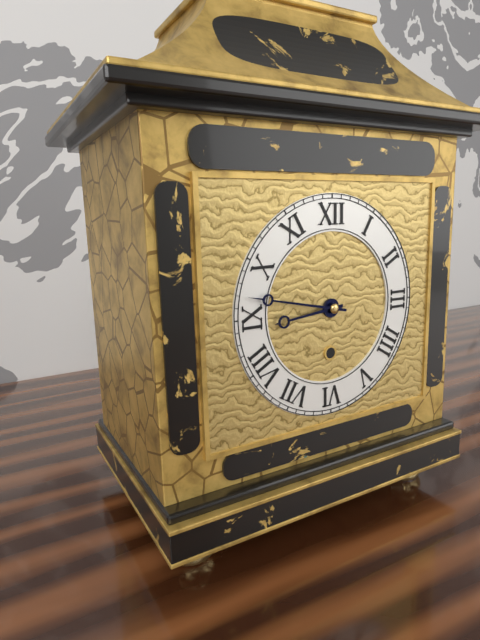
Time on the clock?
8:47
